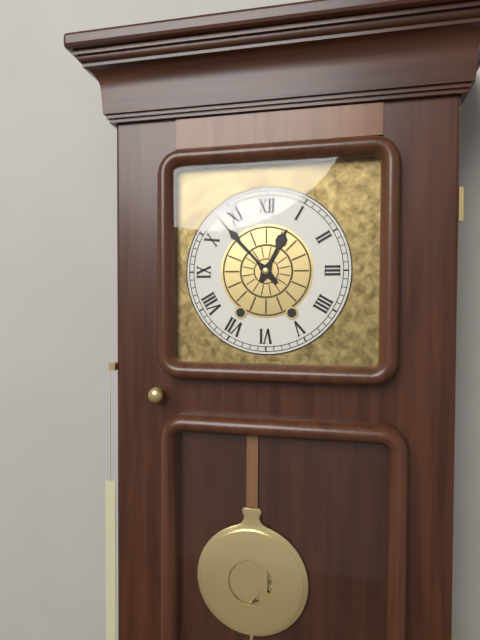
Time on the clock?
12:53
